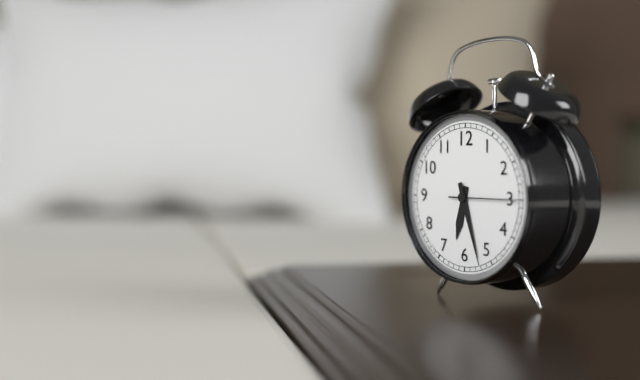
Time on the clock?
6:27:15
